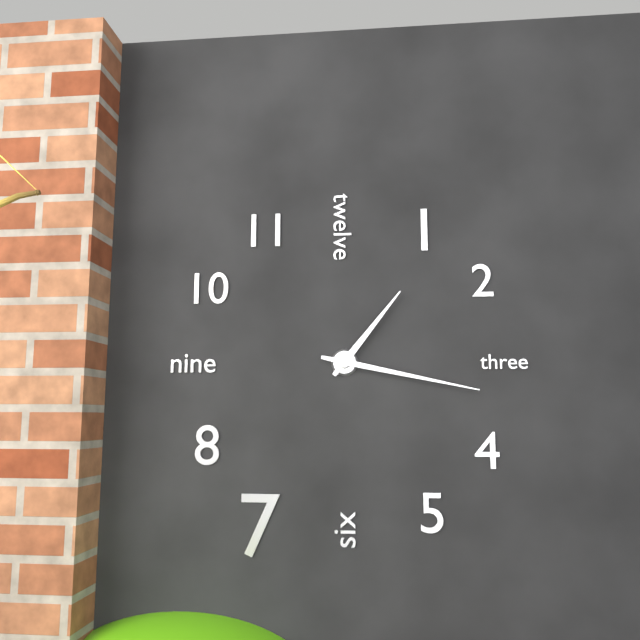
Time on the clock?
1:17
